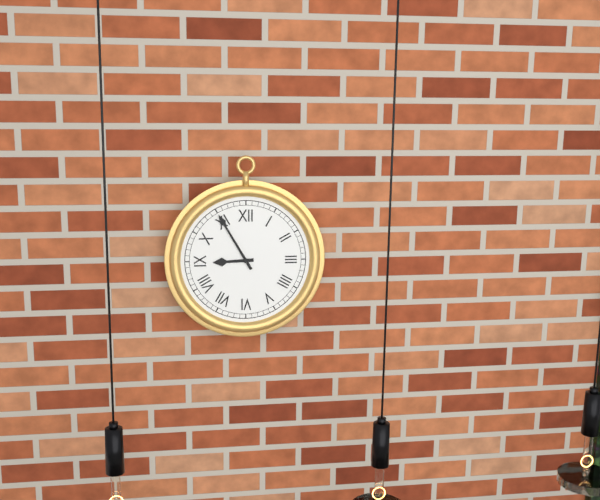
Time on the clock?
8:55
